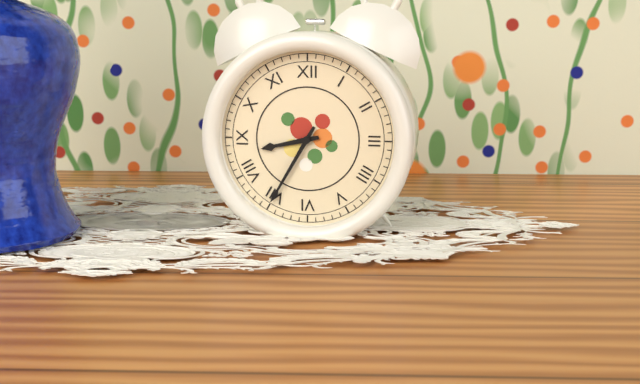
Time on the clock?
8:35
